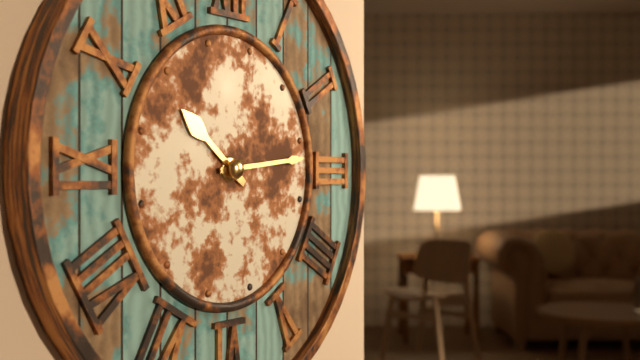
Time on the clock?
10:14
